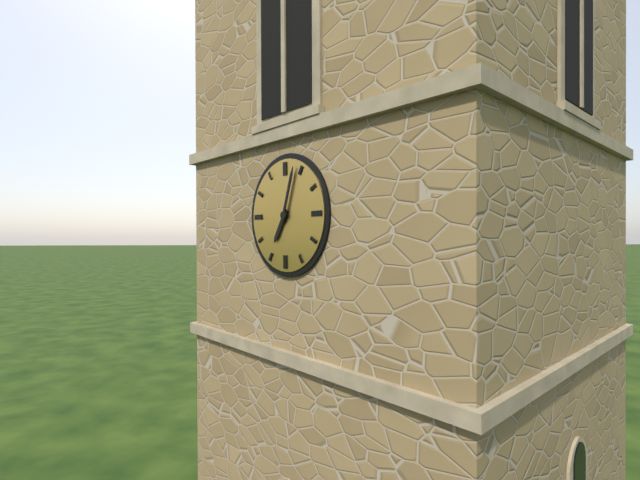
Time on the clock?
7:03
